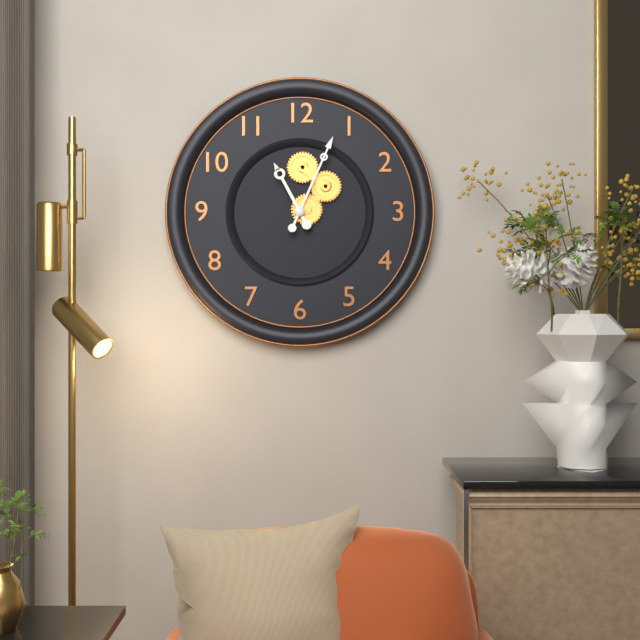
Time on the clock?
11:04
